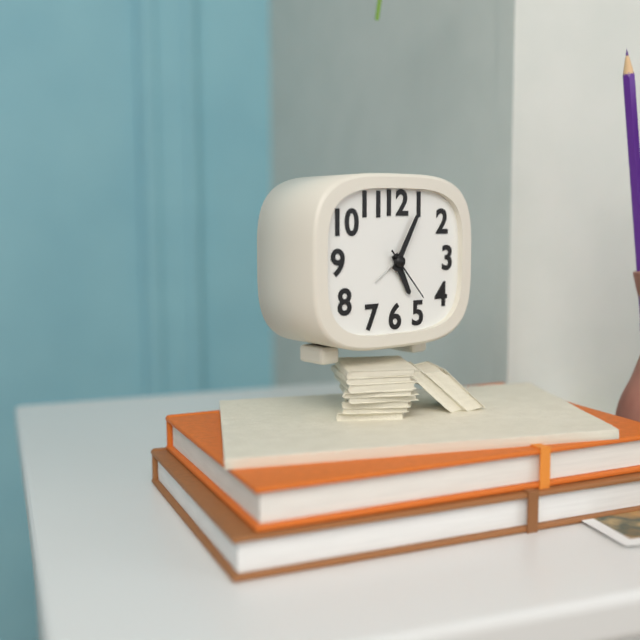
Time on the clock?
5:05:23
